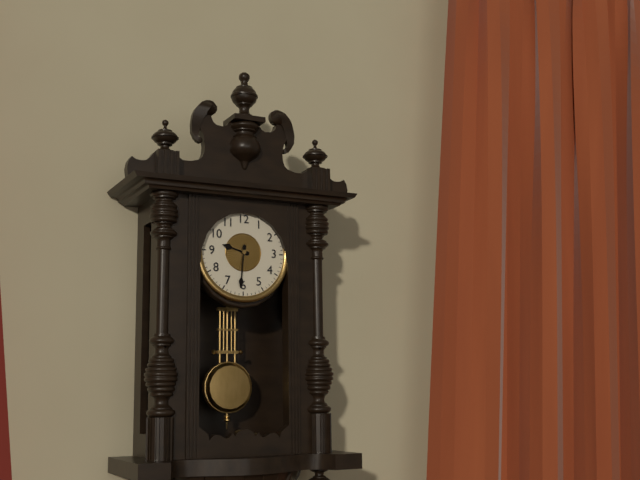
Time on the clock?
9:31
